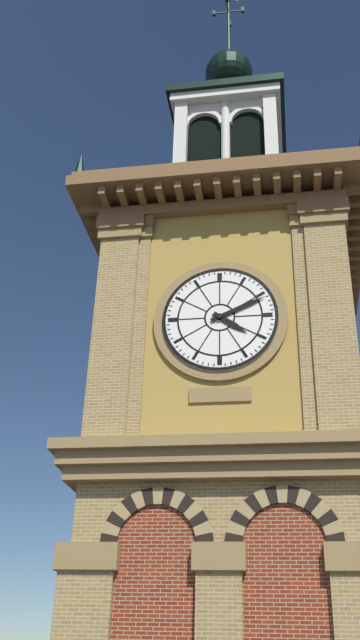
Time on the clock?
4:11
